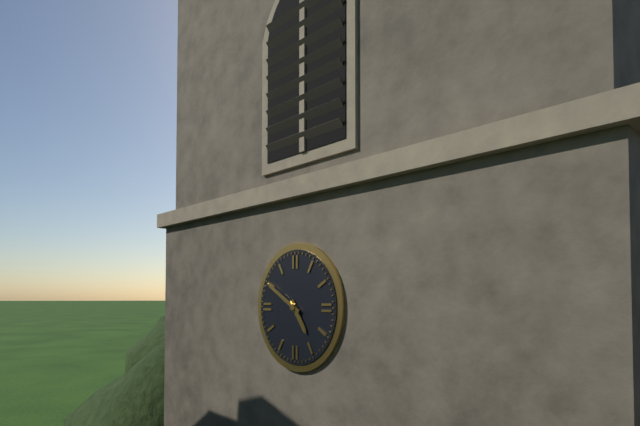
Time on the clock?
4:50
